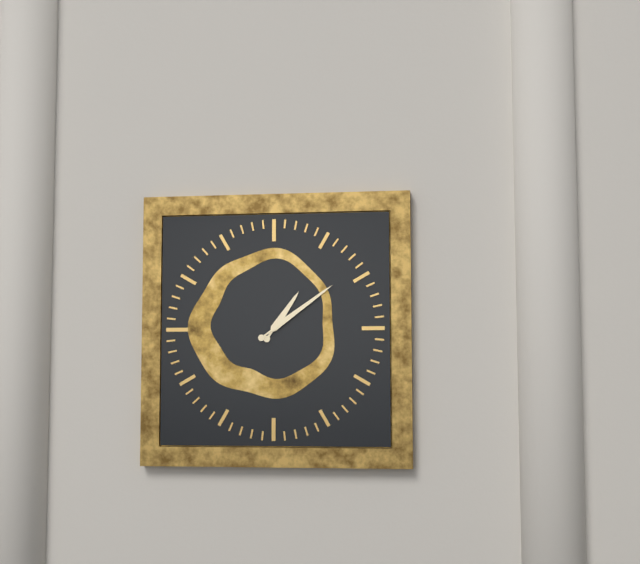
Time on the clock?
1:09
